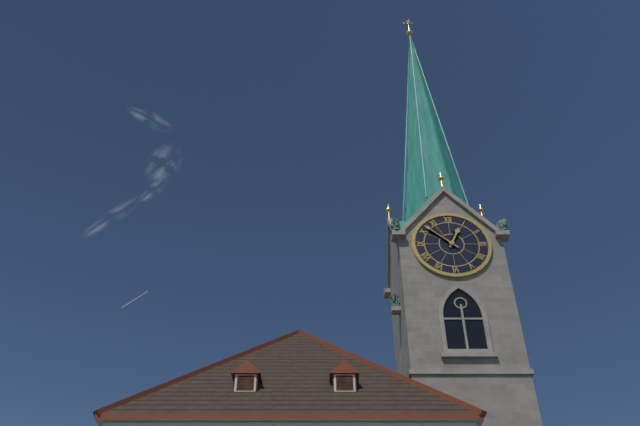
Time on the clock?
12:52
